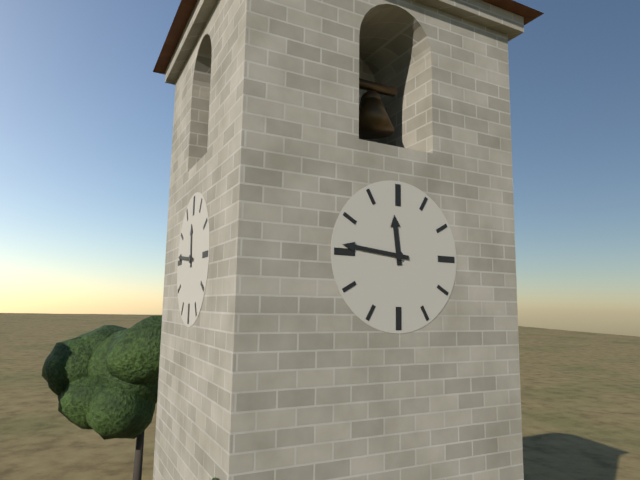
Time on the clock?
11:46
